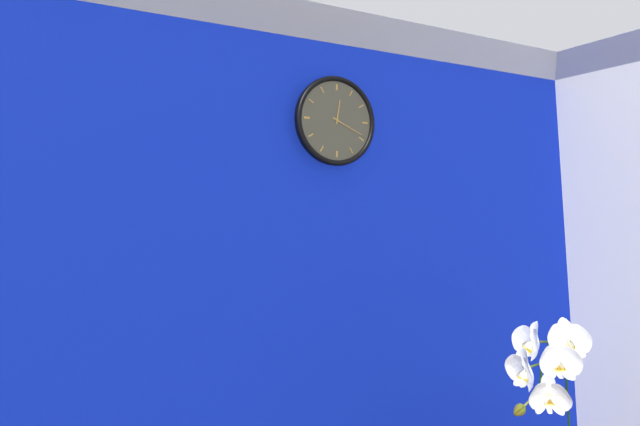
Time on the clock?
12:19
